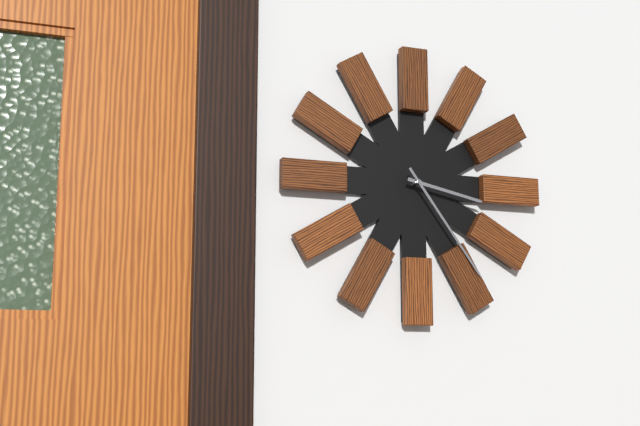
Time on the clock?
3:24
